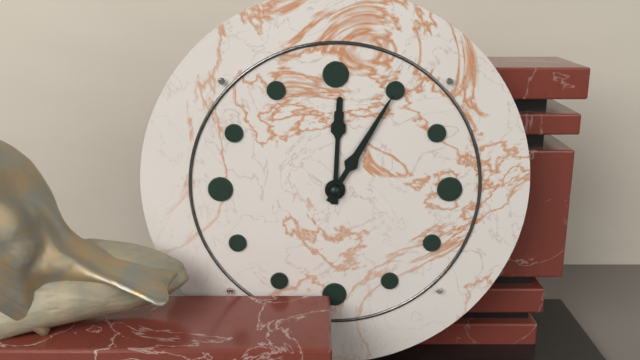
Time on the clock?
12:05
